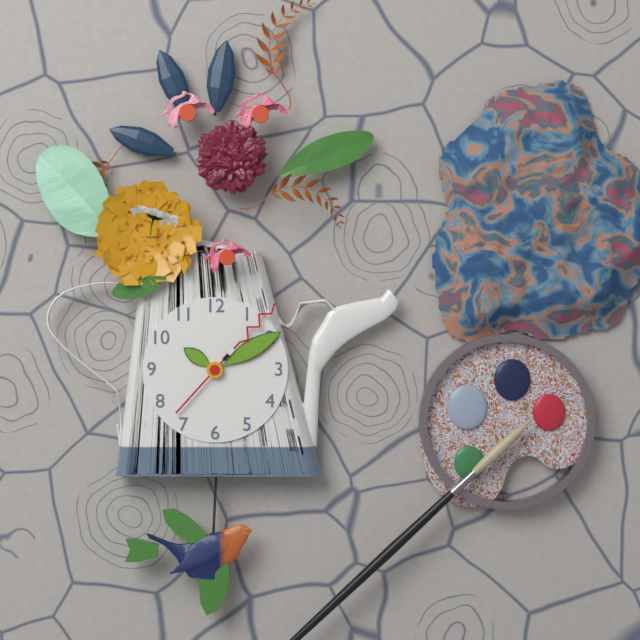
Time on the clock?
10:10:07
